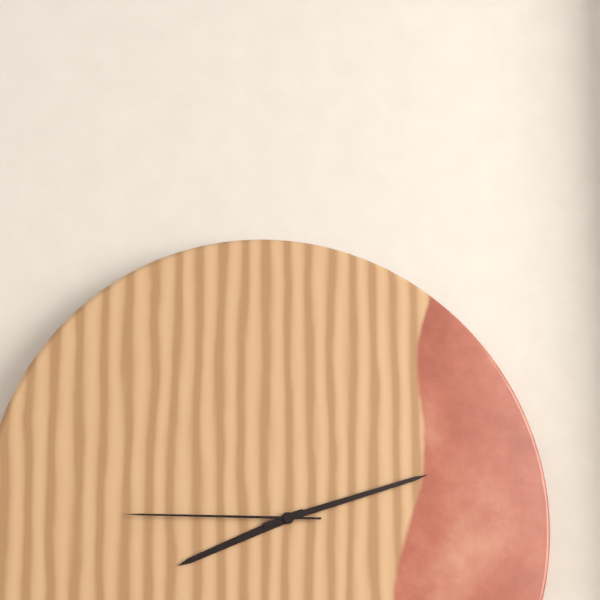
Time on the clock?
8:12:45
